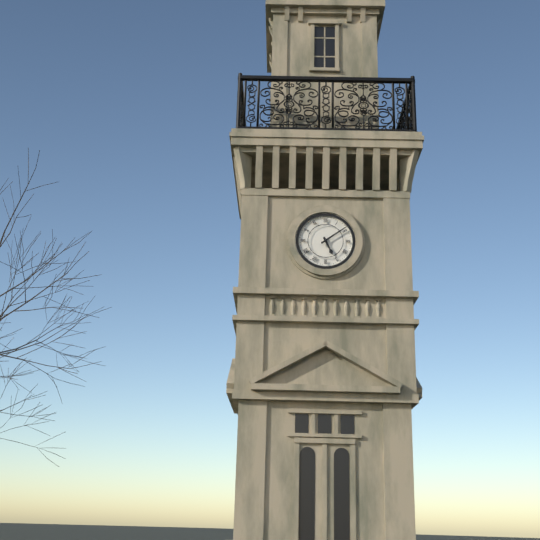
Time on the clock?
5:09
